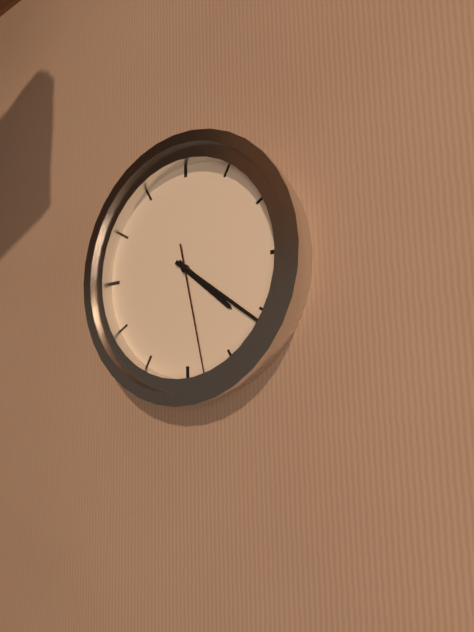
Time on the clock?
4:21:28
